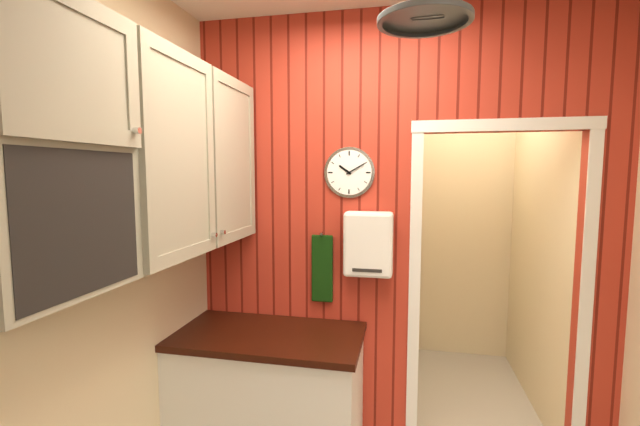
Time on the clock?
10:10
